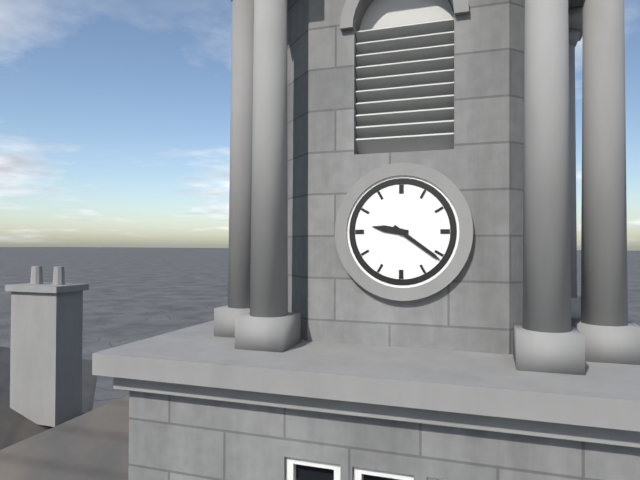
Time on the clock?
9:21
